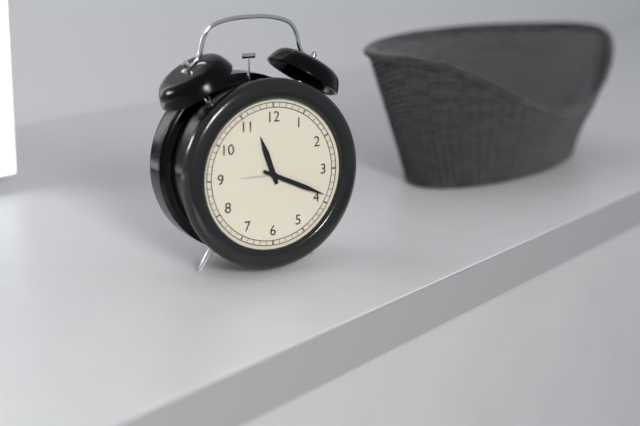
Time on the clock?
11:19
